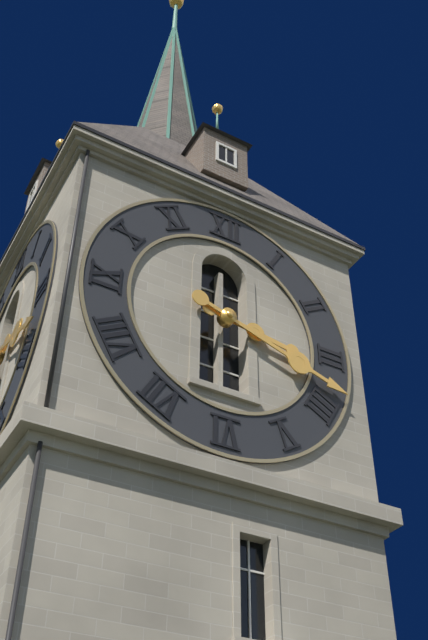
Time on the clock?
3:18
